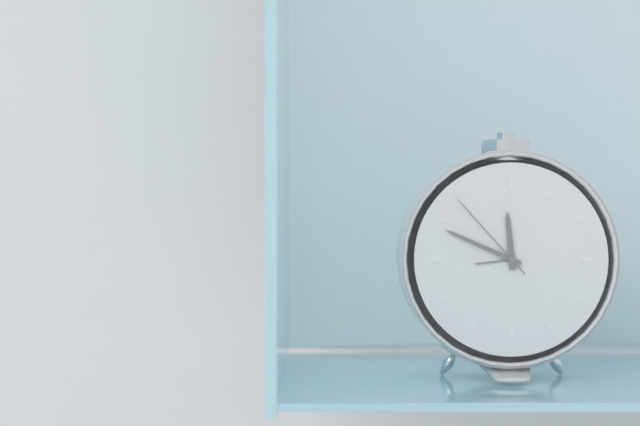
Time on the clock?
11:49:53
